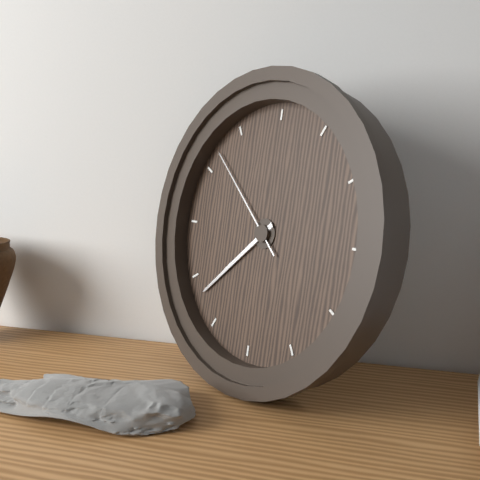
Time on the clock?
7:38:52
